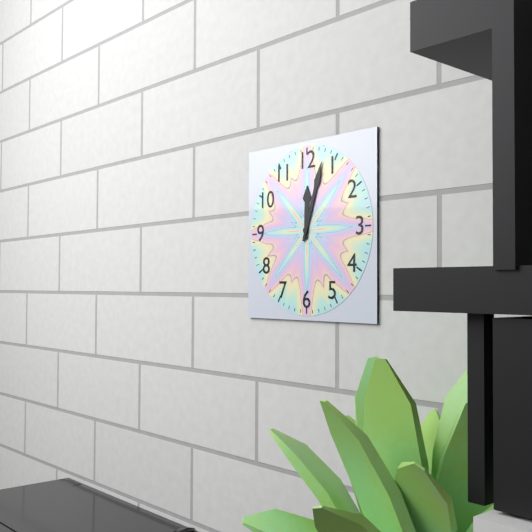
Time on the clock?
12:03
